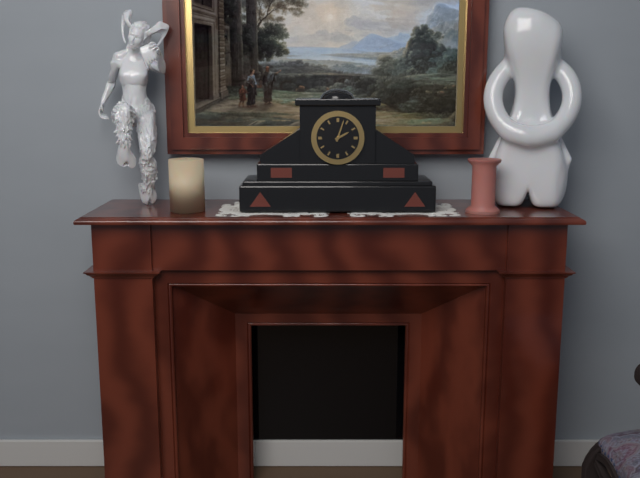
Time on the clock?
2:03
